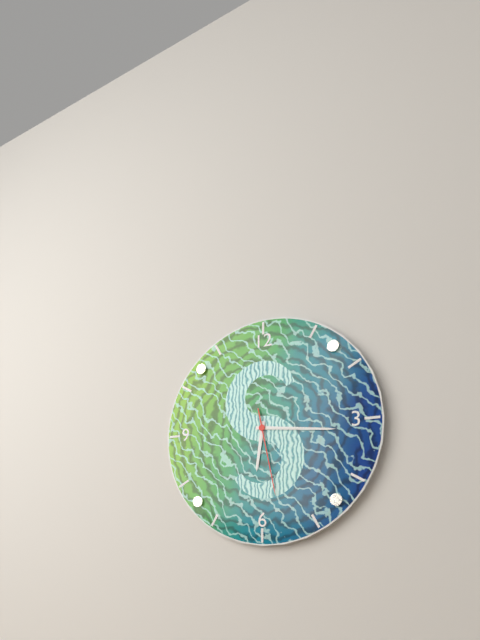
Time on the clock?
6:16:28
